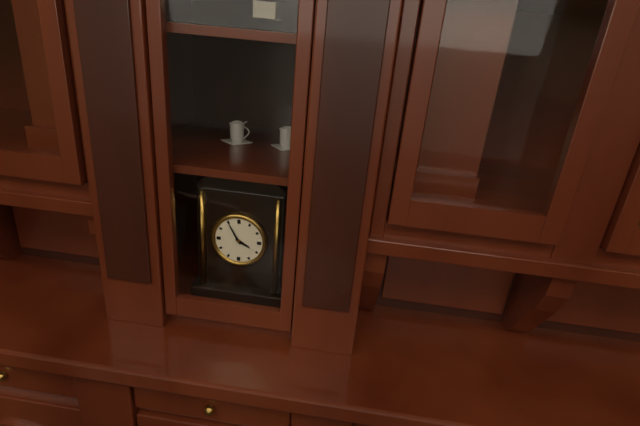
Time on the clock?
3:55
